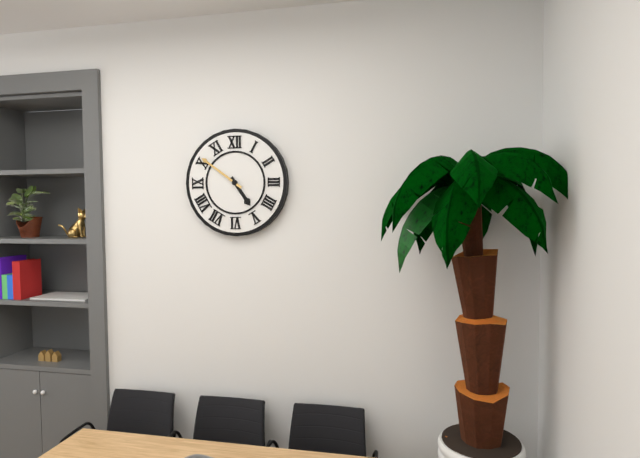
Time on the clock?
4:51
